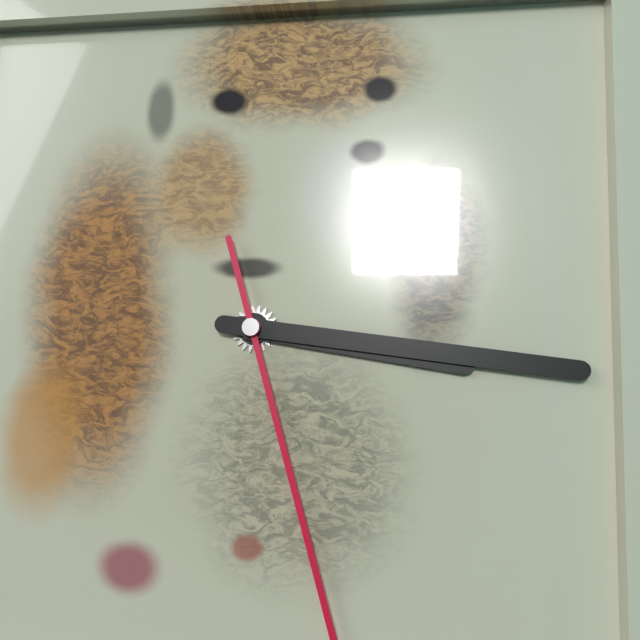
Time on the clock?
3:16
